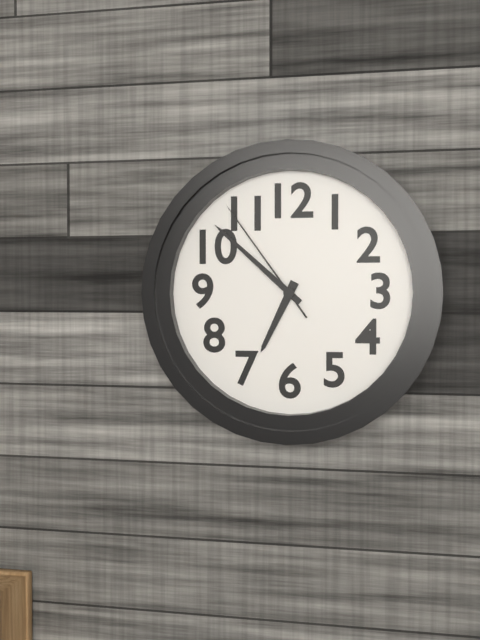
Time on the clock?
6:52:54
